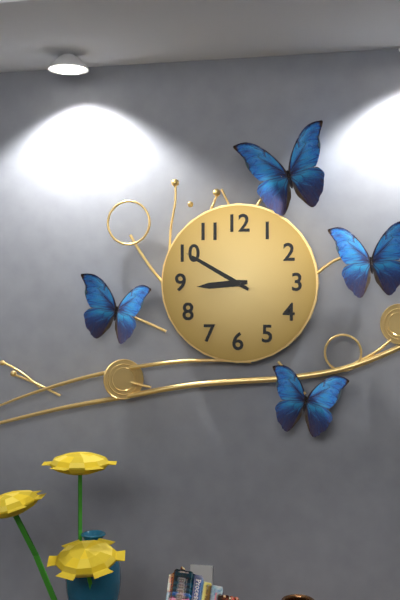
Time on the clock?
8:50
